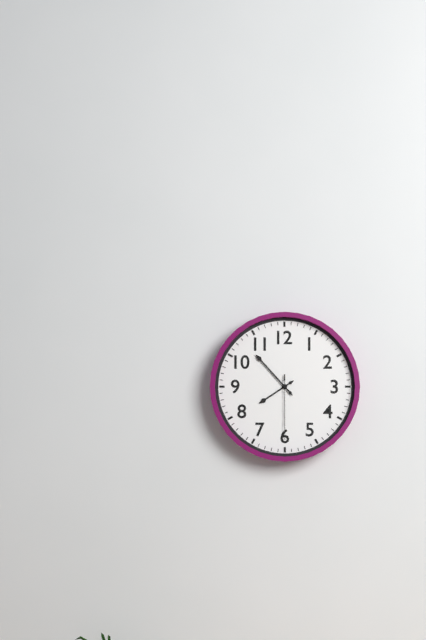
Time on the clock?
7:53:30
